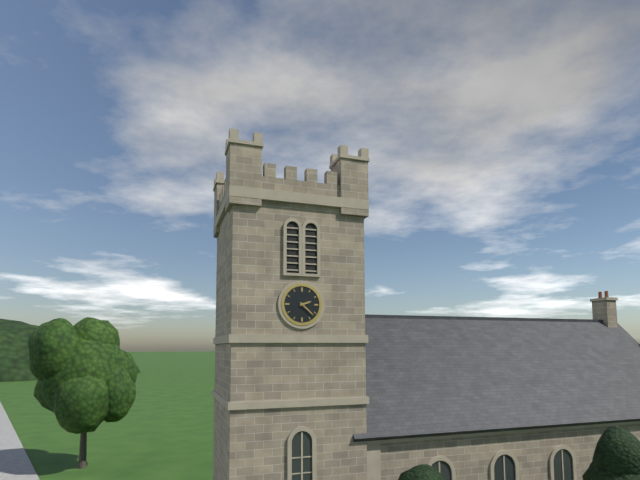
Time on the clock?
2:22
